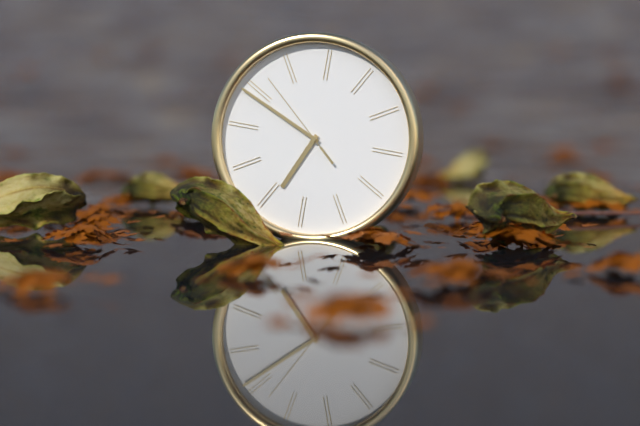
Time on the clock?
6:49:52
